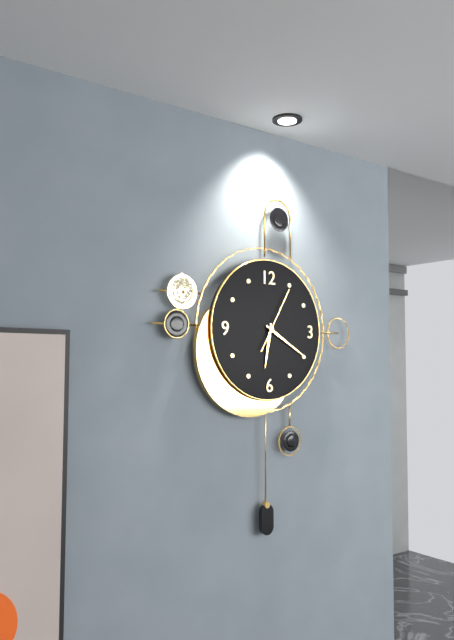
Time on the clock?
6:20:05
